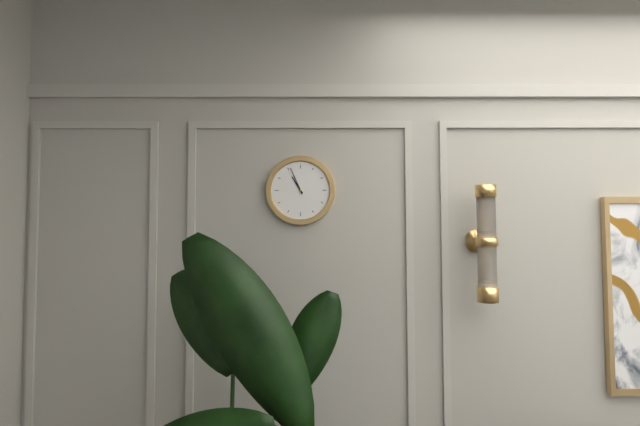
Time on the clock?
10:56
